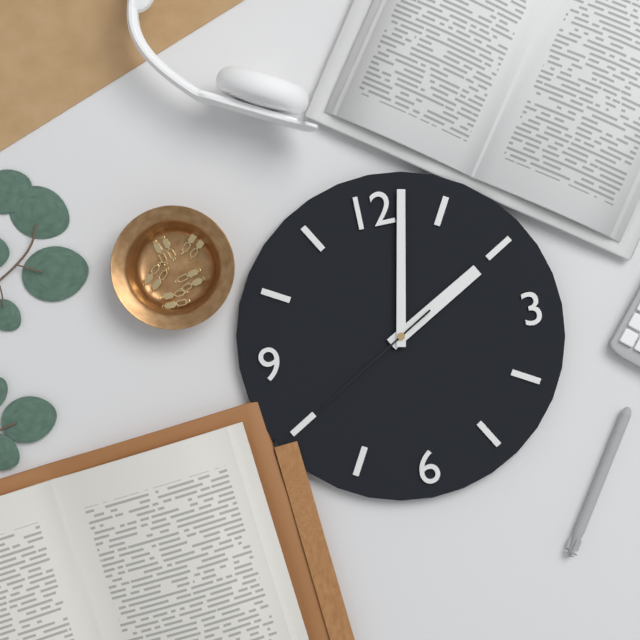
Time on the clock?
2:02:40
